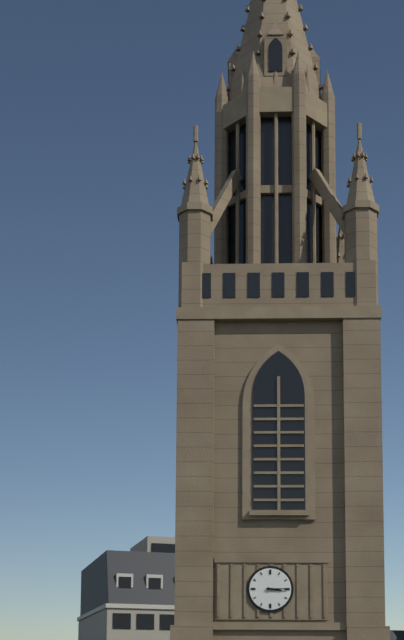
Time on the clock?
3:15
